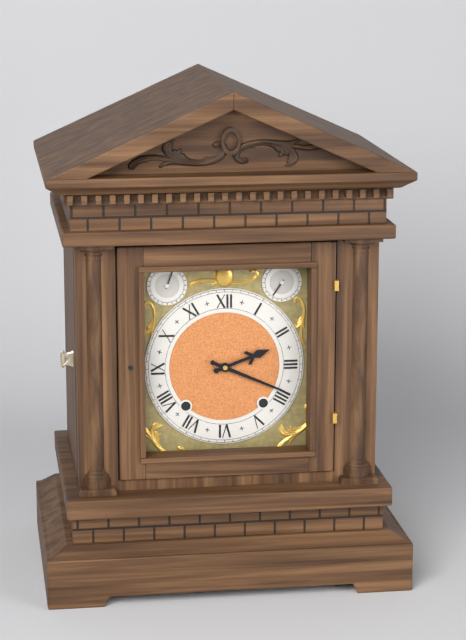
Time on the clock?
2:19
